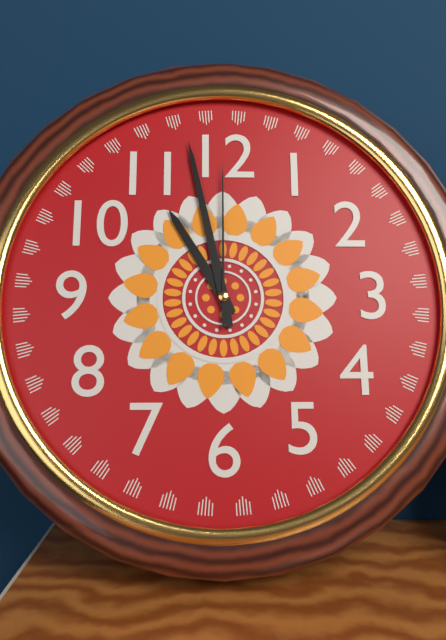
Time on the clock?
10:58:00
